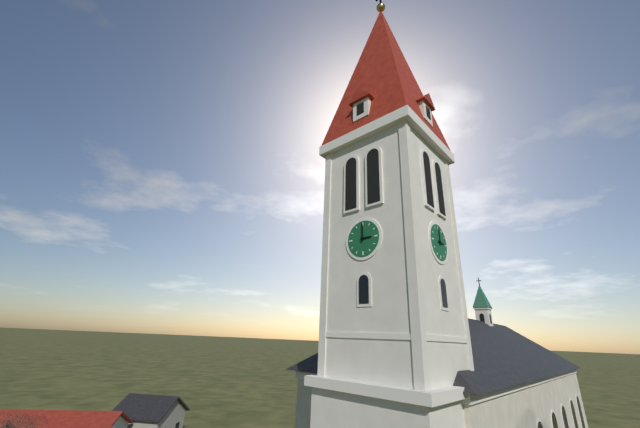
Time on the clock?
3:00
